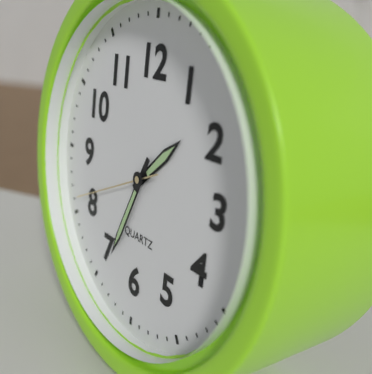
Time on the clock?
1:34:41
